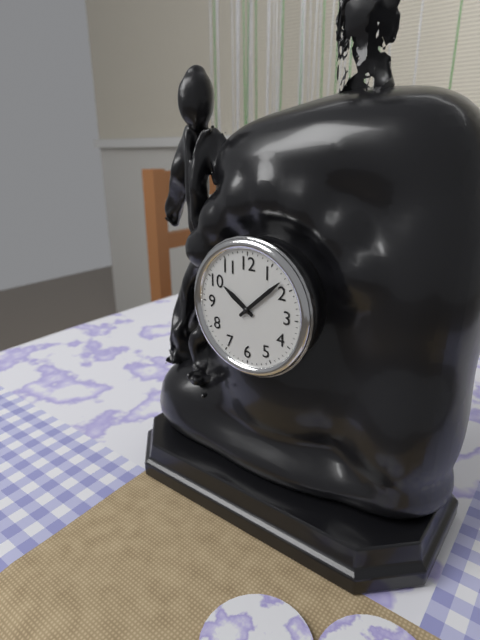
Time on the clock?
10:08
